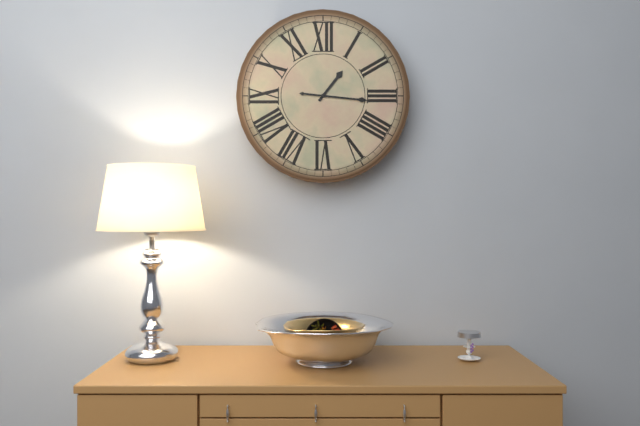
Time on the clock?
1:16
